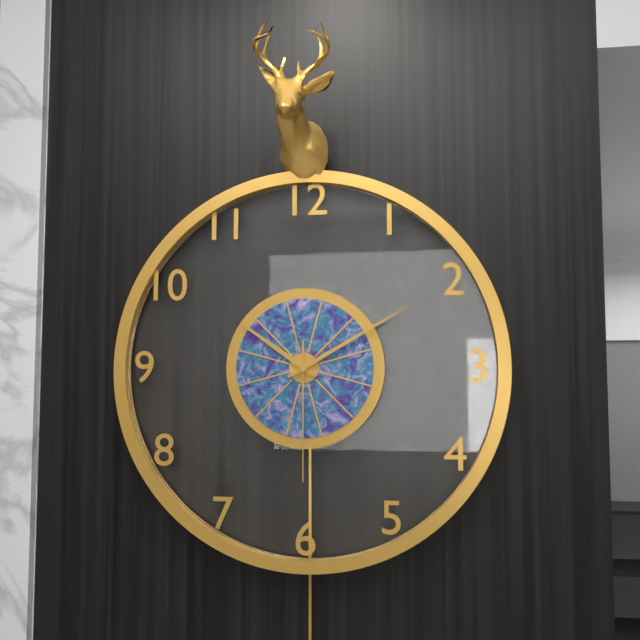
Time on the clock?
10:10:30
